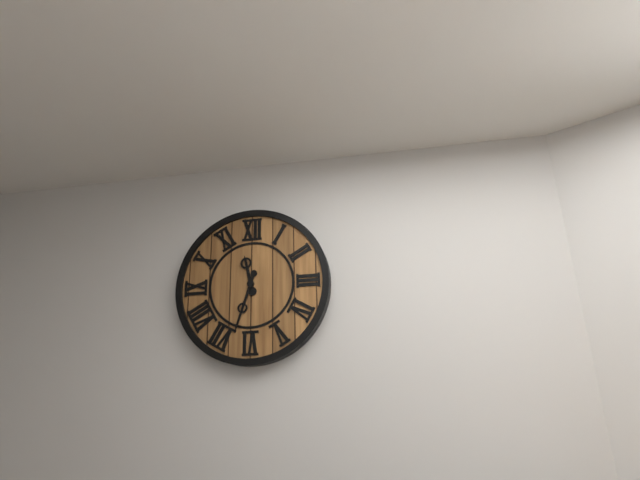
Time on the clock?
11:33
